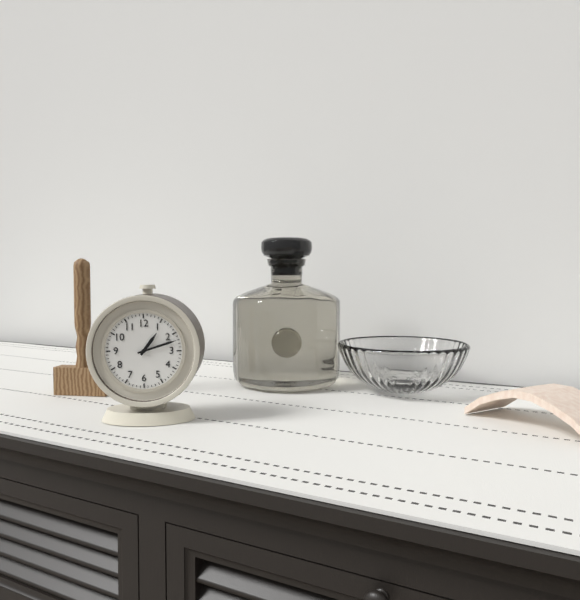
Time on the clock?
1:12
